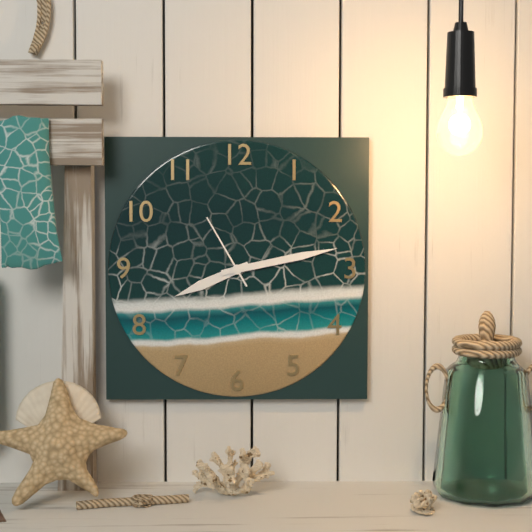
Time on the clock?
8:13:55
